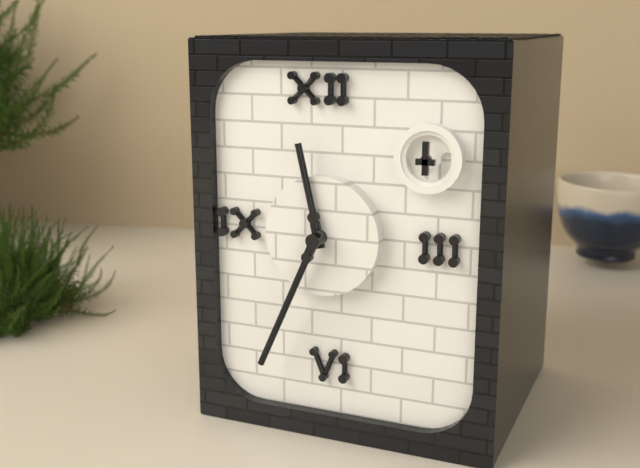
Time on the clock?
11:34
